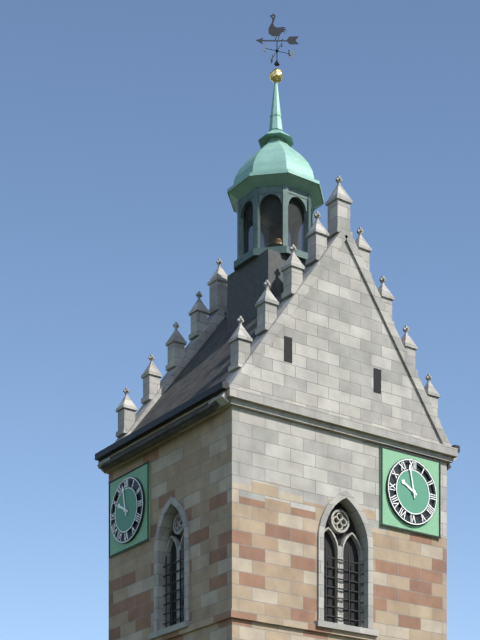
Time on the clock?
9:58
